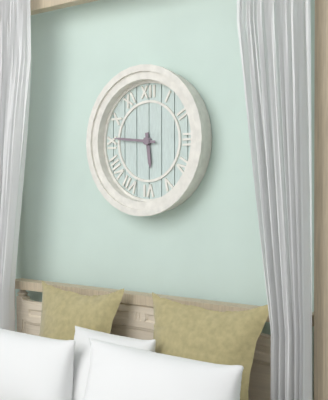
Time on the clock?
5:46
